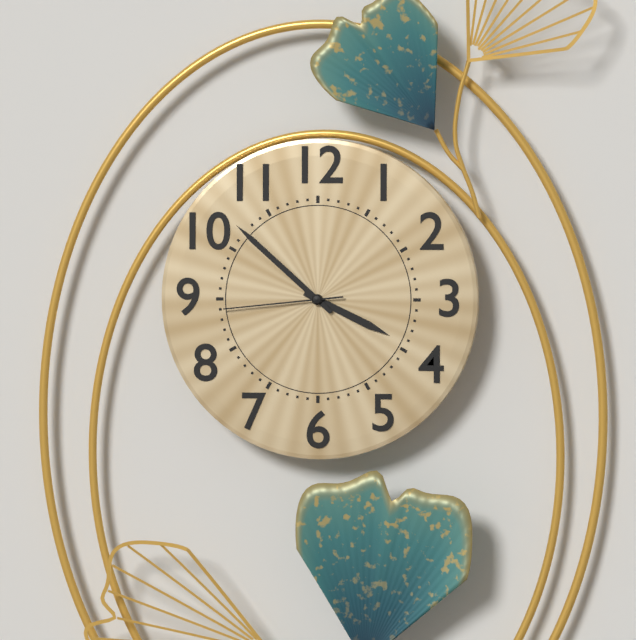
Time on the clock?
3:52:44
